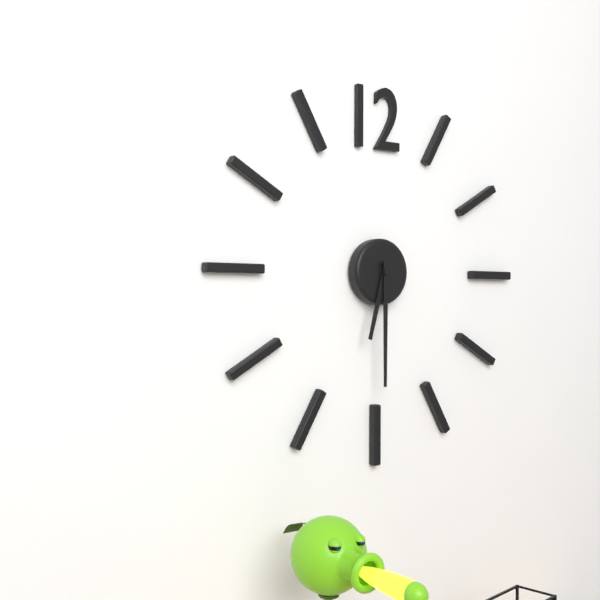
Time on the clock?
6:30
